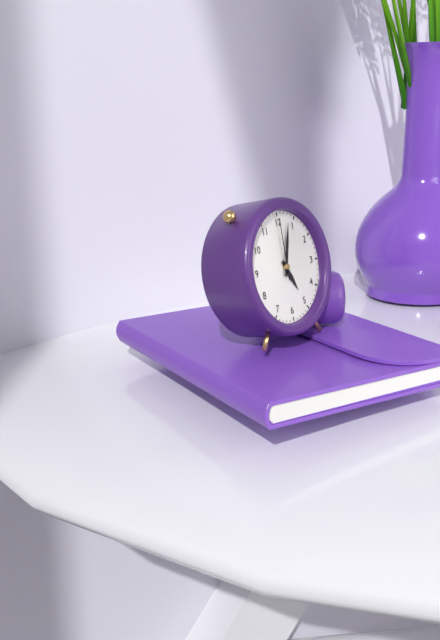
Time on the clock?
5:03:00
